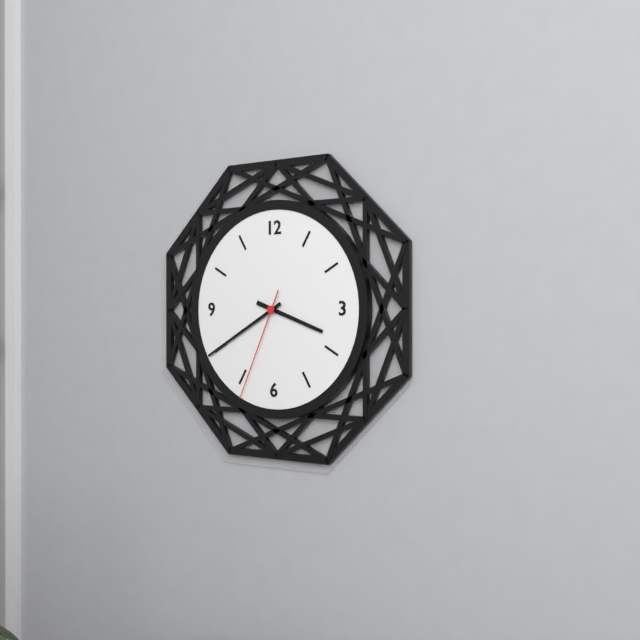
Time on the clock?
3:40:34
